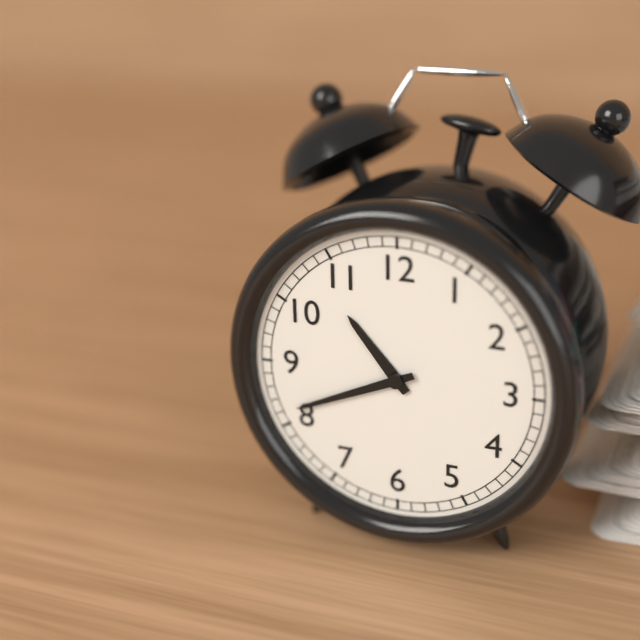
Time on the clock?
10:41
